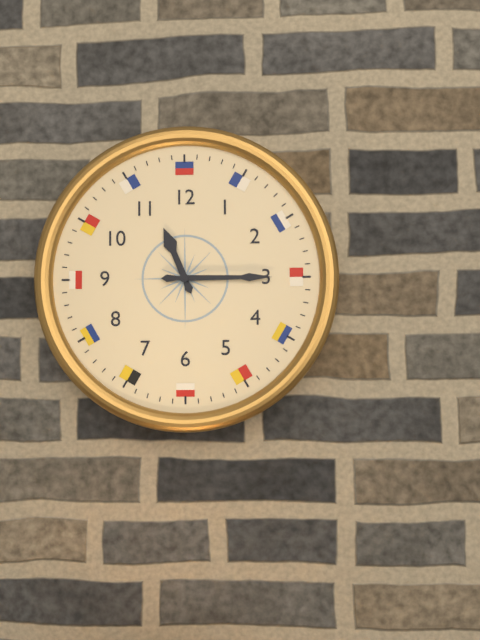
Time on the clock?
11:15
